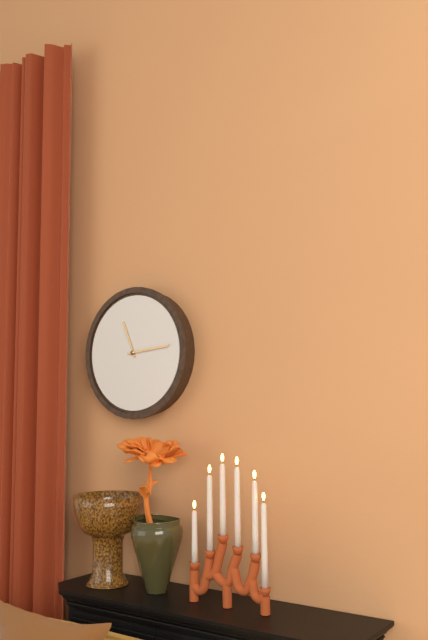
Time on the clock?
11:14
